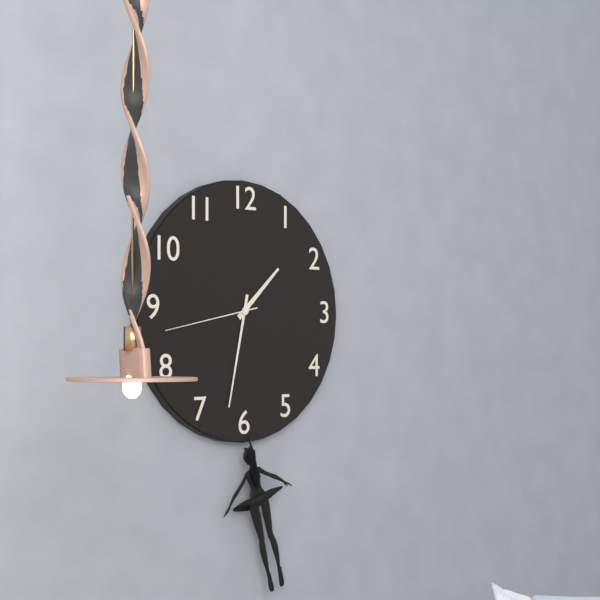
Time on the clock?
1:32:43
